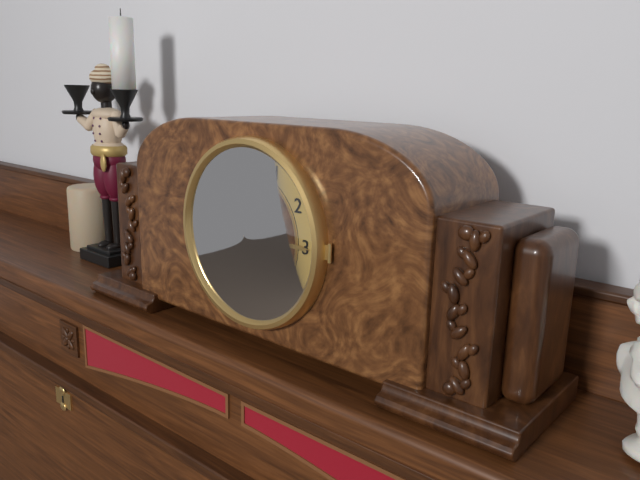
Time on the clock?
4:15
